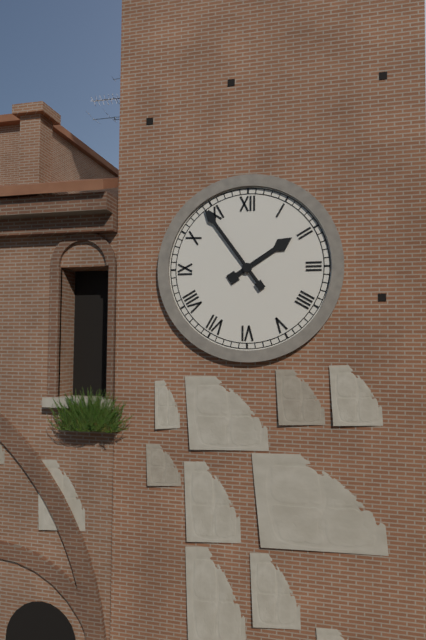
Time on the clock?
1:54
